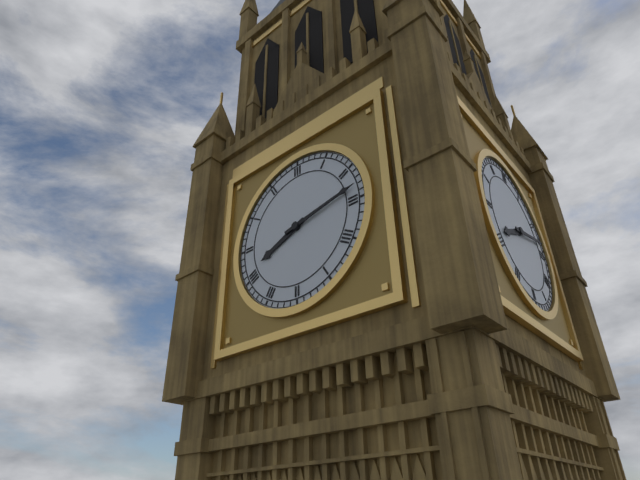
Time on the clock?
8:13
